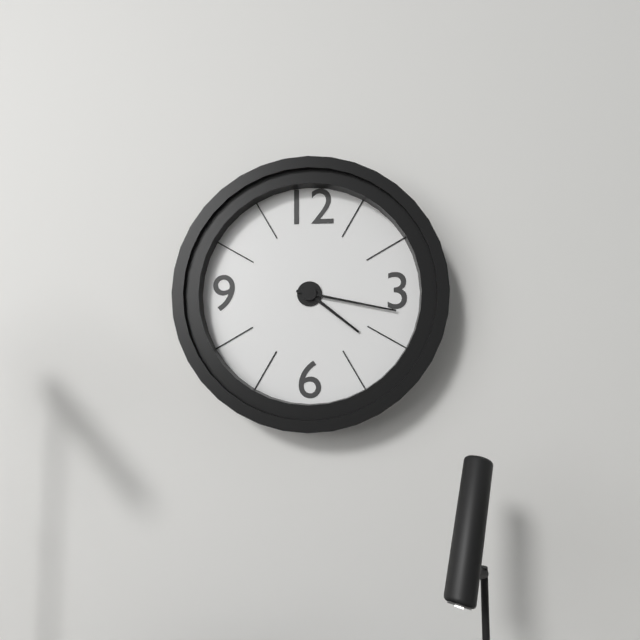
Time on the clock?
4:17
